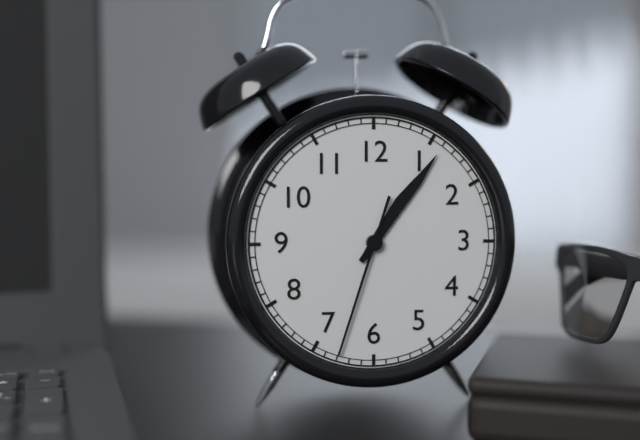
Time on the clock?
1:06:33
